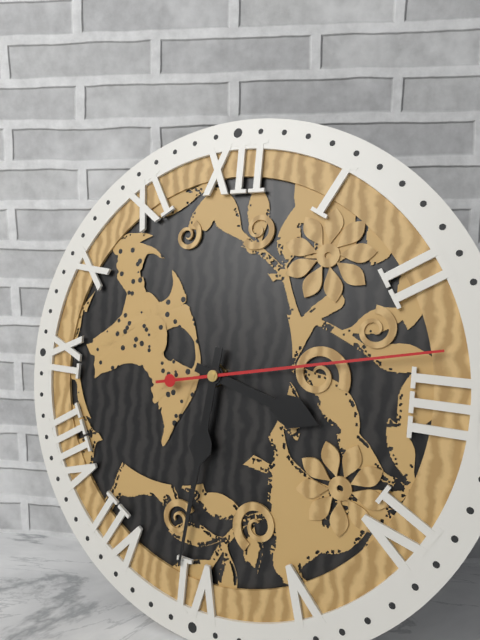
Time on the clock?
3:31:13
